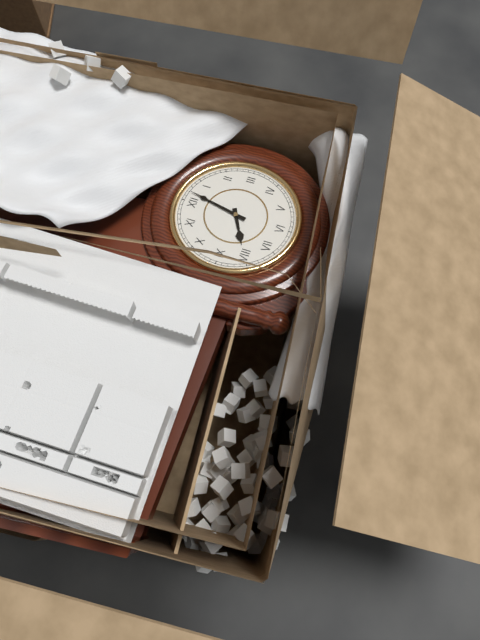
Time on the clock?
8:02
